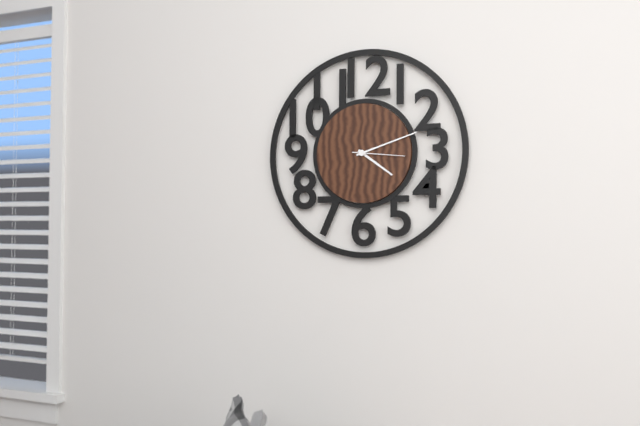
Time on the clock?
4:12:16
